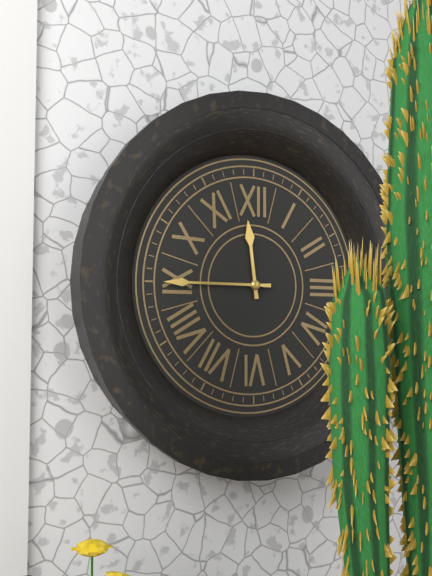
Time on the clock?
11:45
